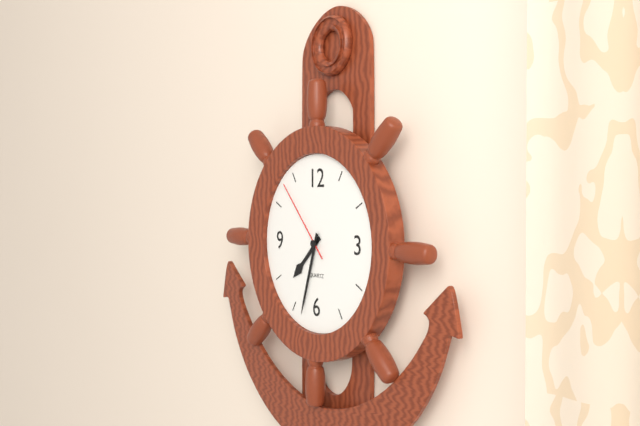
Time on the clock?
7:33:53
